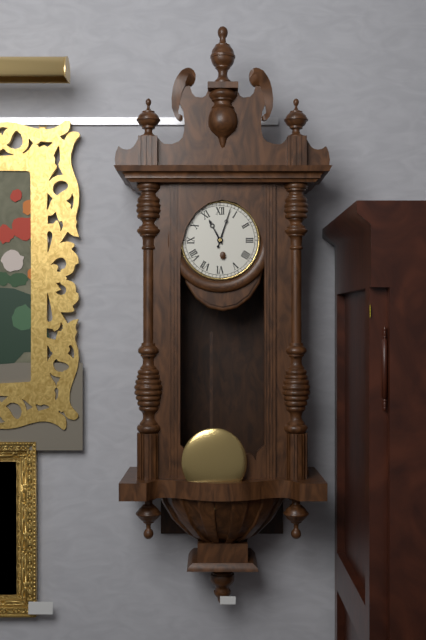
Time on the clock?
11:03
